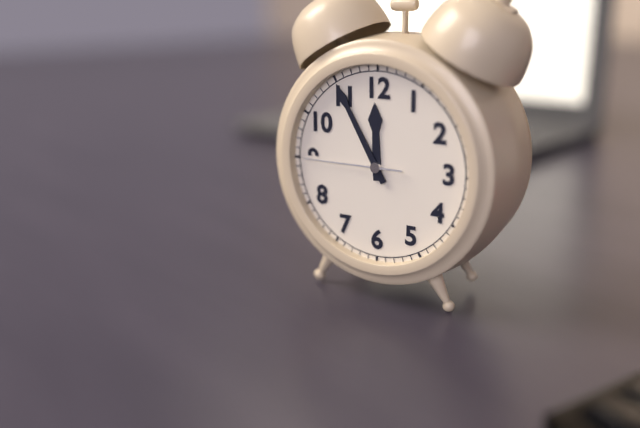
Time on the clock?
11:55:45
